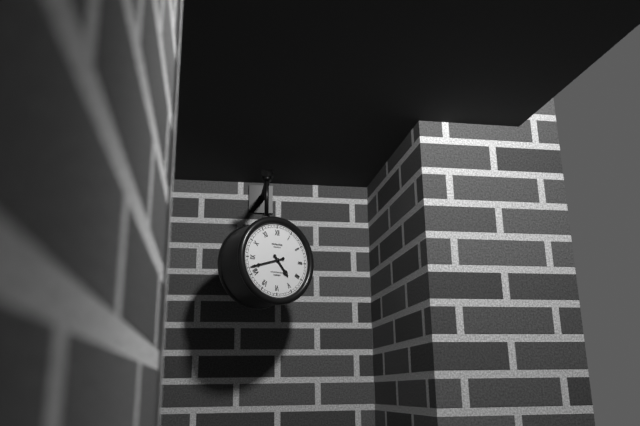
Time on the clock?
4:42
